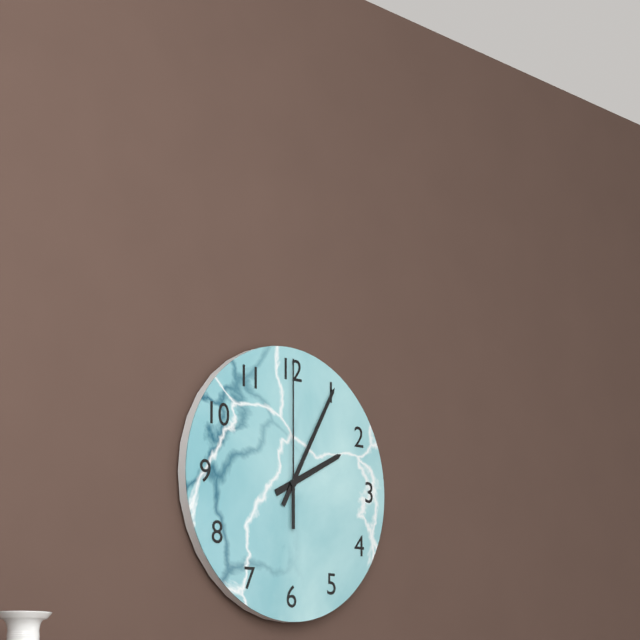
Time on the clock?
2:05:00
